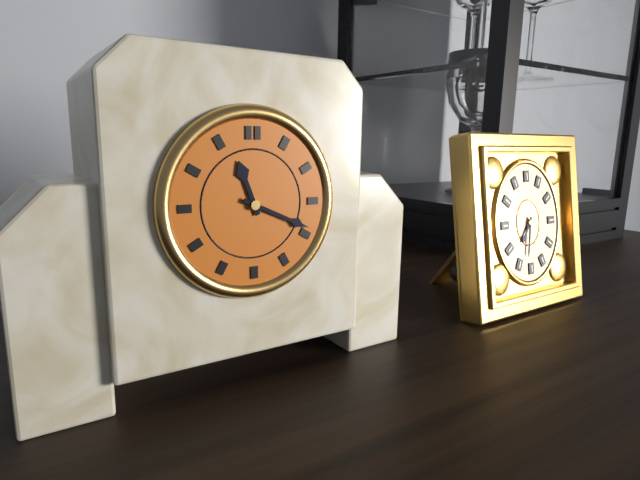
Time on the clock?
11:19
